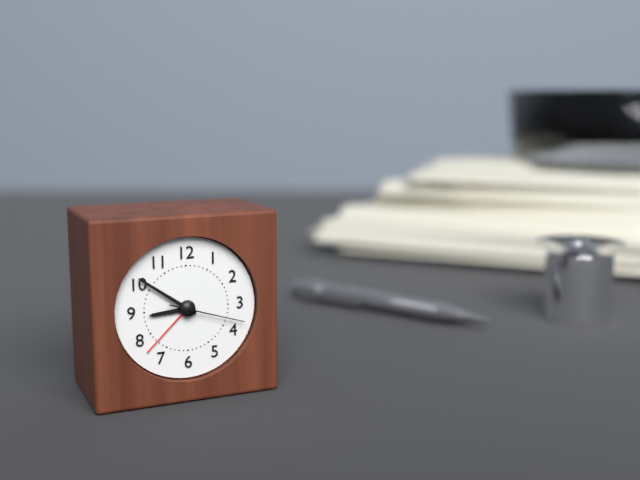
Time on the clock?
8:51:18
